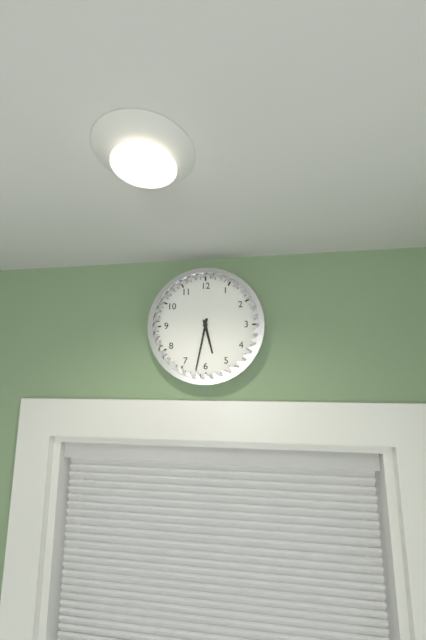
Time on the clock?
5:32
